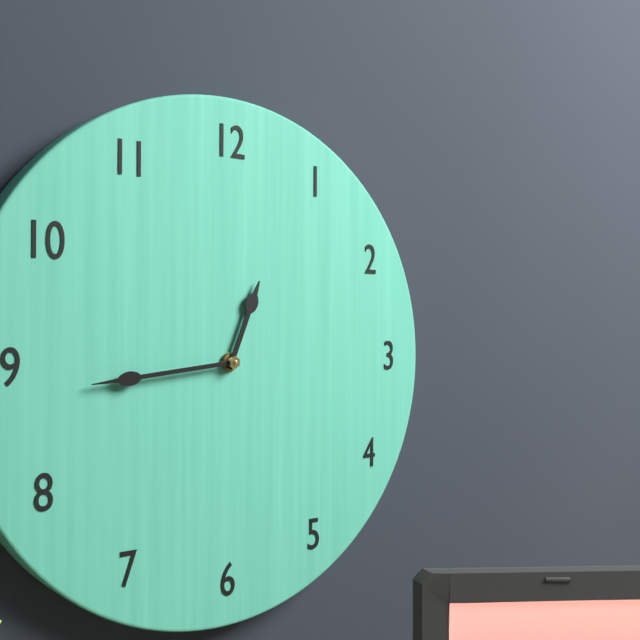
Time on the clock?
12:44
